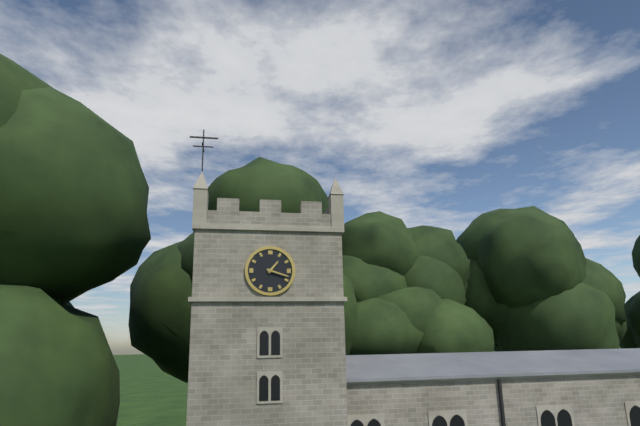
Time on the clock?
1:18
